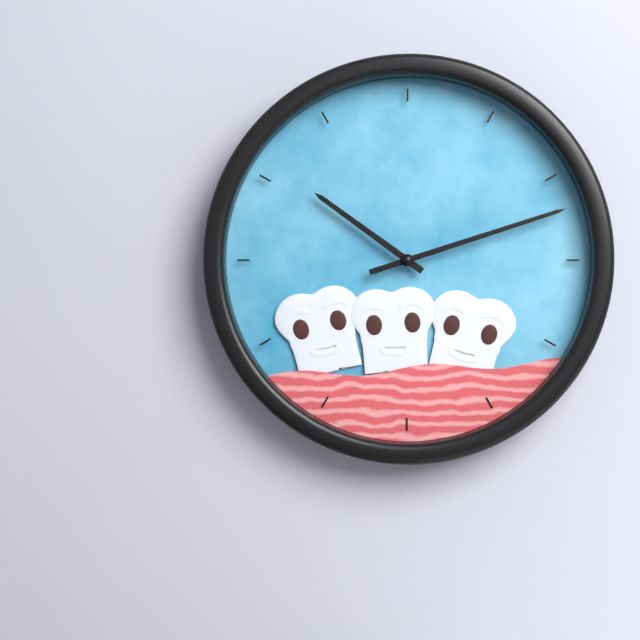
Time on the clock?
10:12:12
